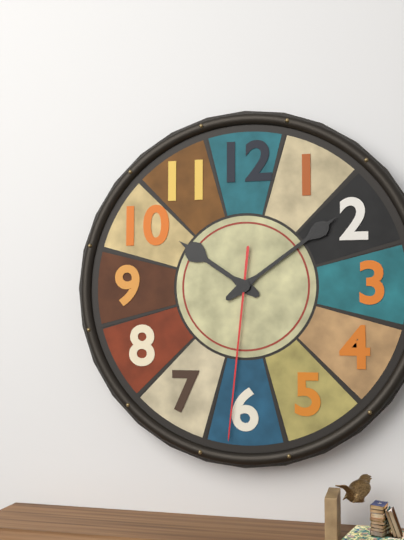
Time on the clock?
10:09:31
